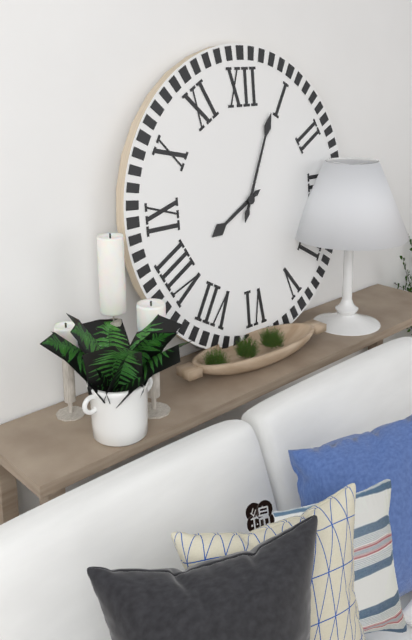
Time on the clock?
8:04
